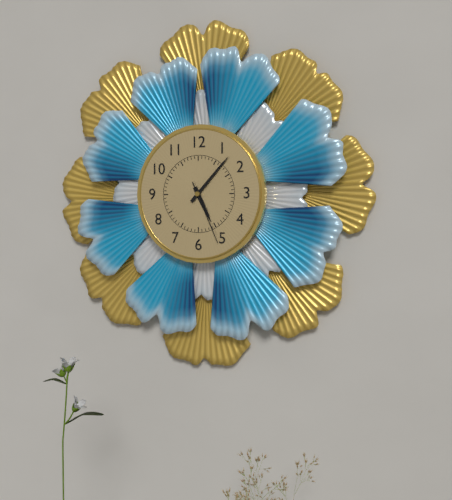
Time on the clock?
5:07:26
